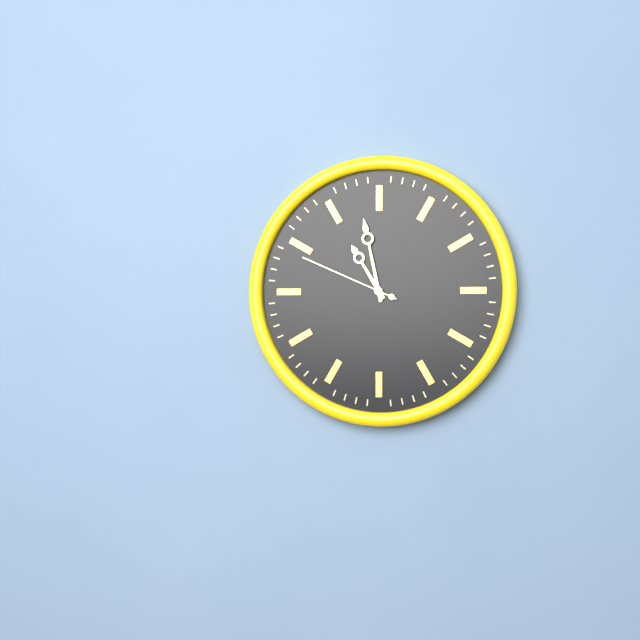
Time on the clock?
10:58:49
